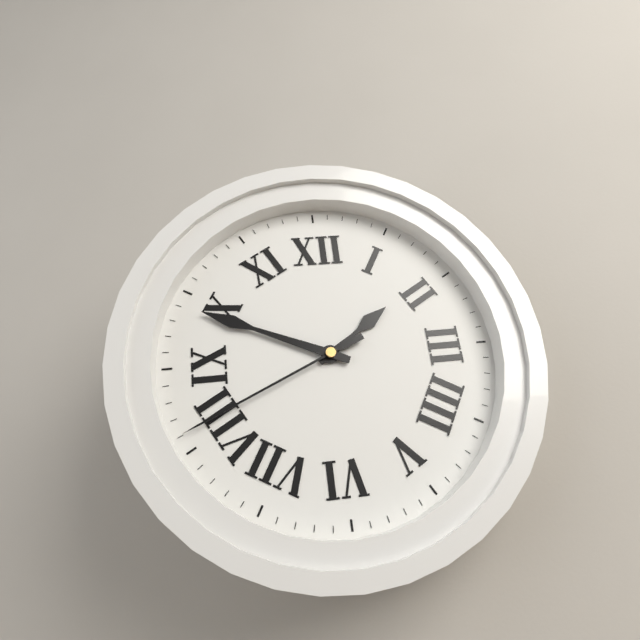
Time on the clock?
1:49:41
